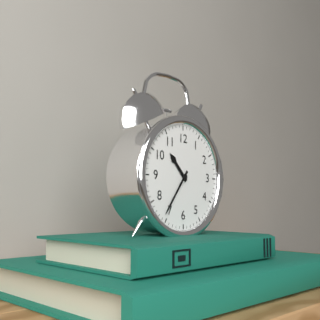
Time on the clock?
10:36
